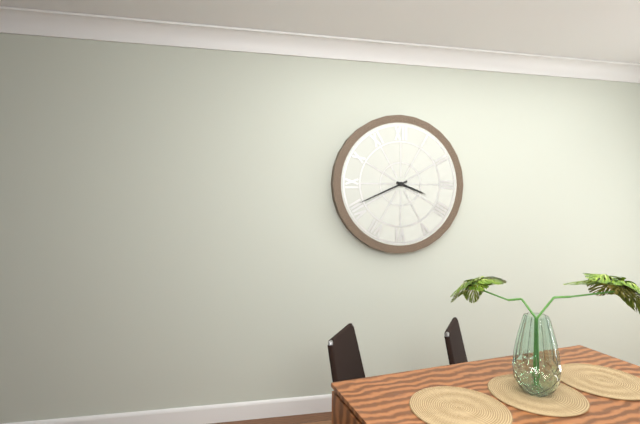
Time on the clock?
3:41
